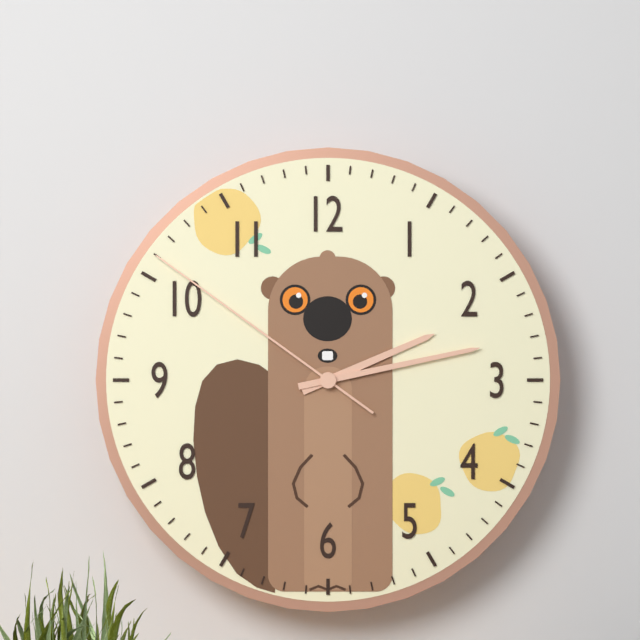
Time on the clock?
2:13:51
